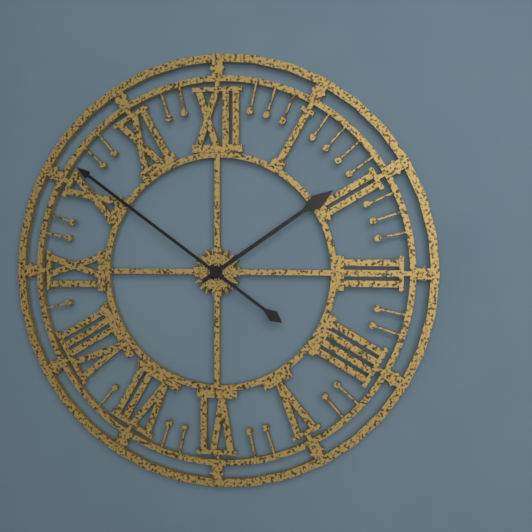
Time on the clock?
1:51
